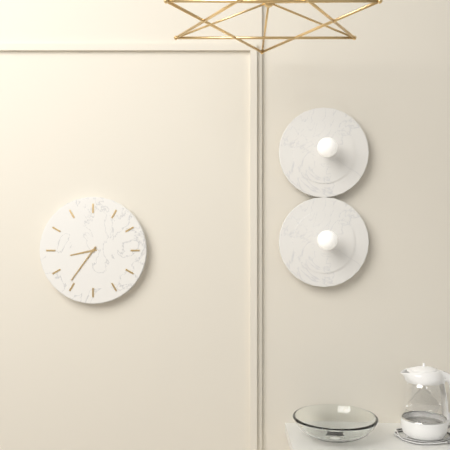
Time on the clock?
8:36
